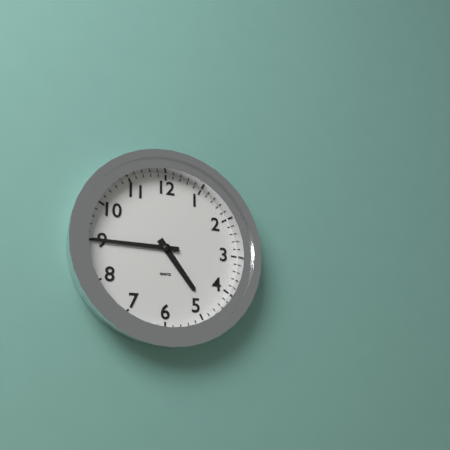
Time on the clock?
4:45
